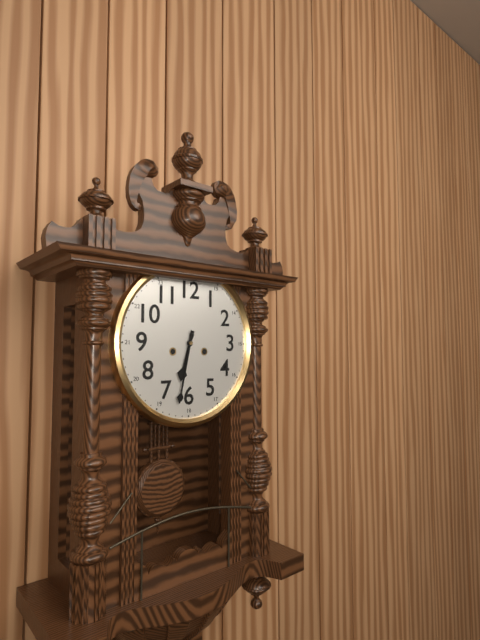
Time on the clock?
6:32
